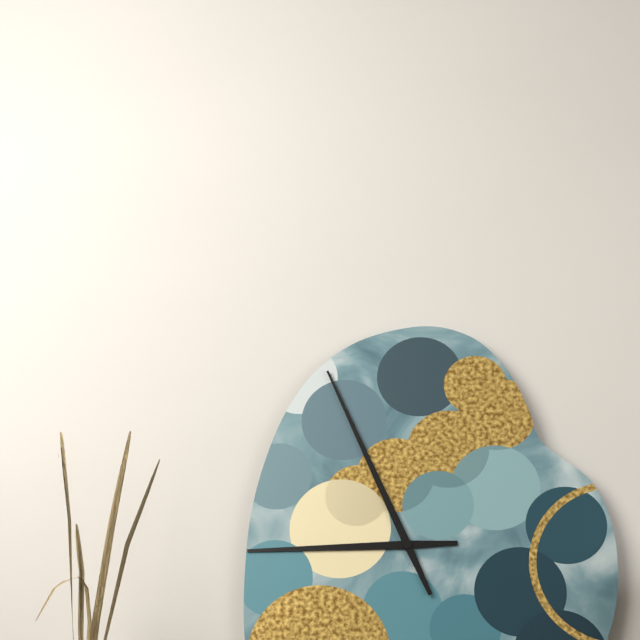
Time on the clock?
8:56
